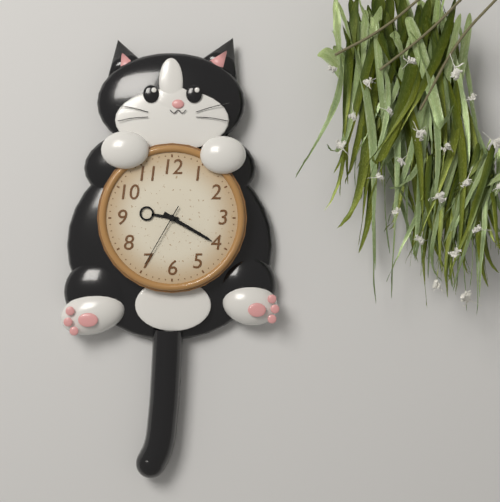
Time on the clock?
9:20:35
